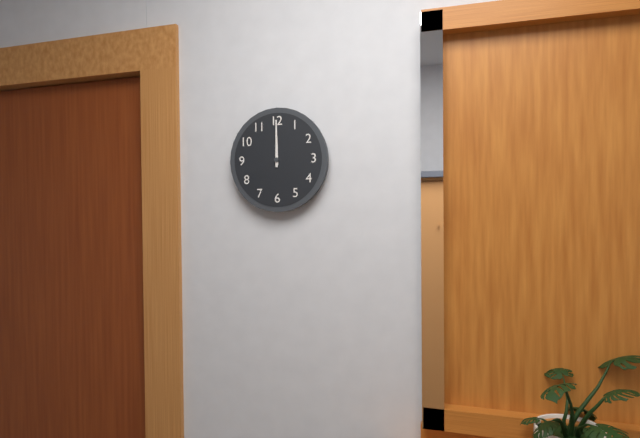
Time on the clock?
12:00
